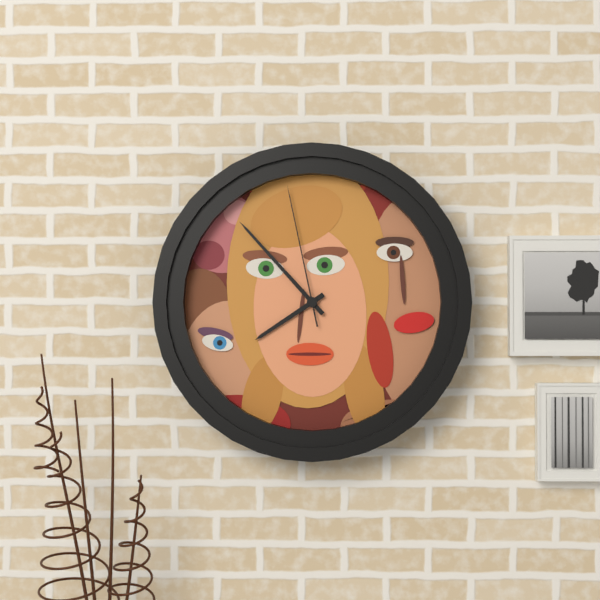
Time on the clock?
7:53:58
